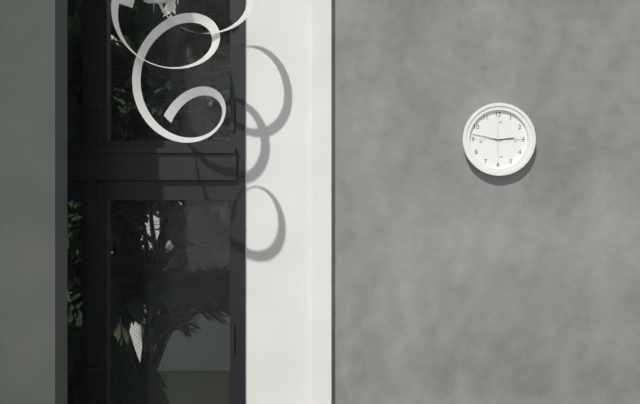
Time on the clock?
2:47
